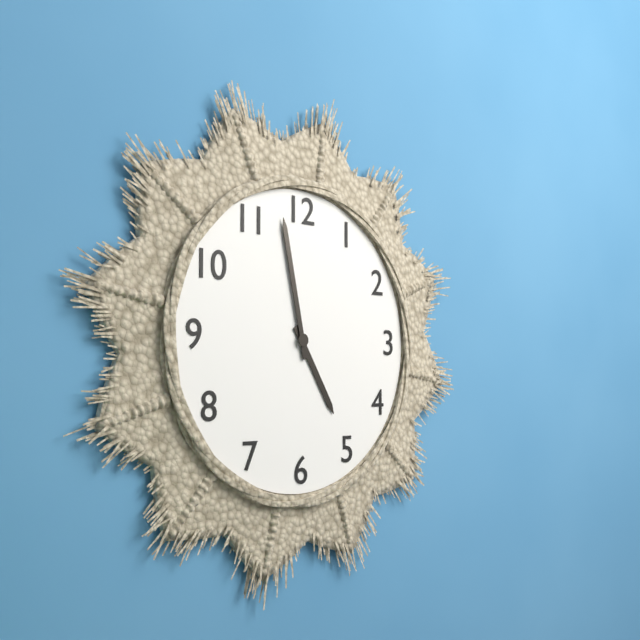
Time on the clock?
4:58
